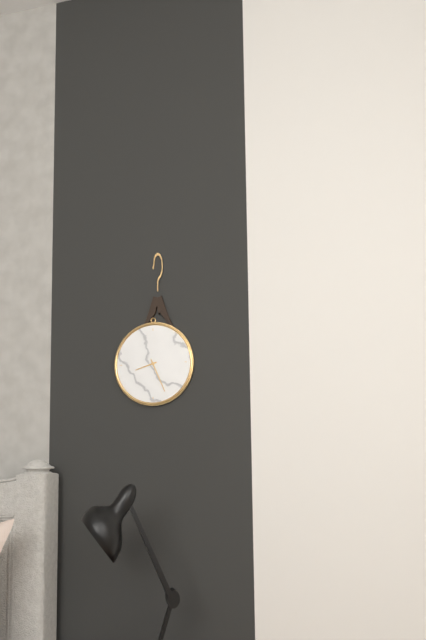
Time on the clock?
8:26
